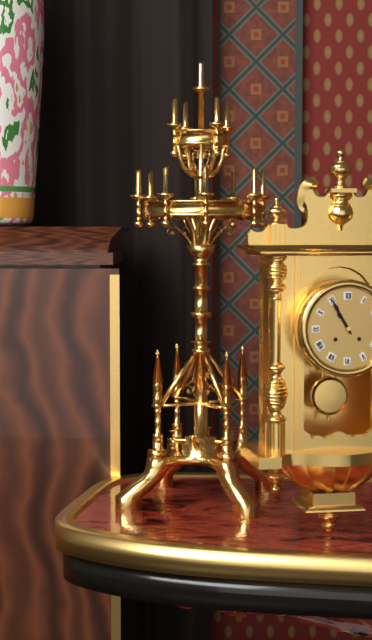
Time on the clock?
10:55
